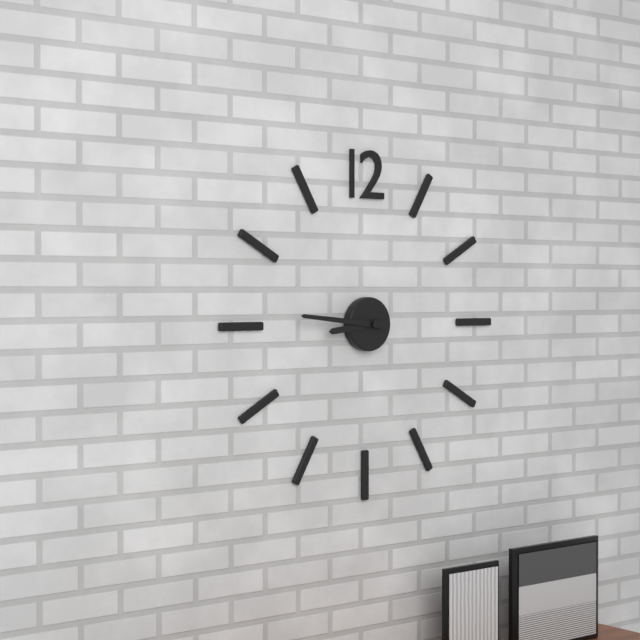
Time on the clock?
8:46
